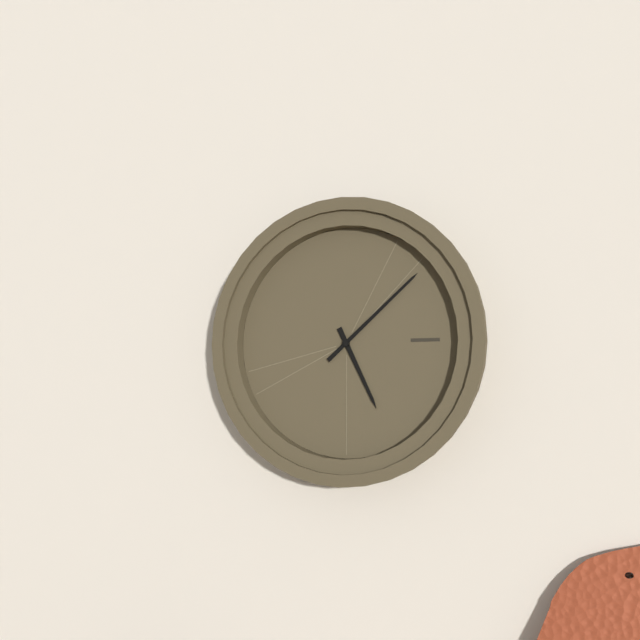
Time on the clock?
5:08
